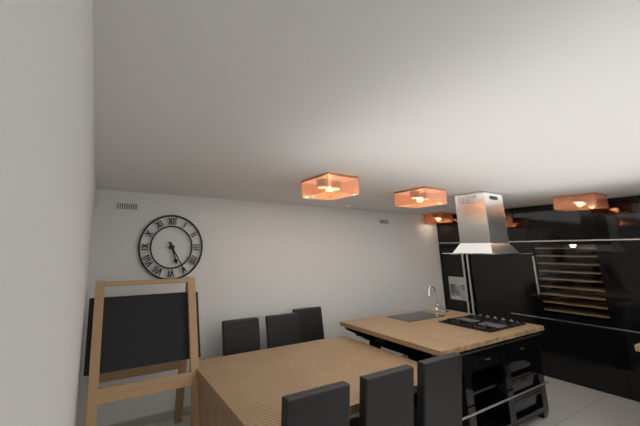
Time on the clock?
5:25
